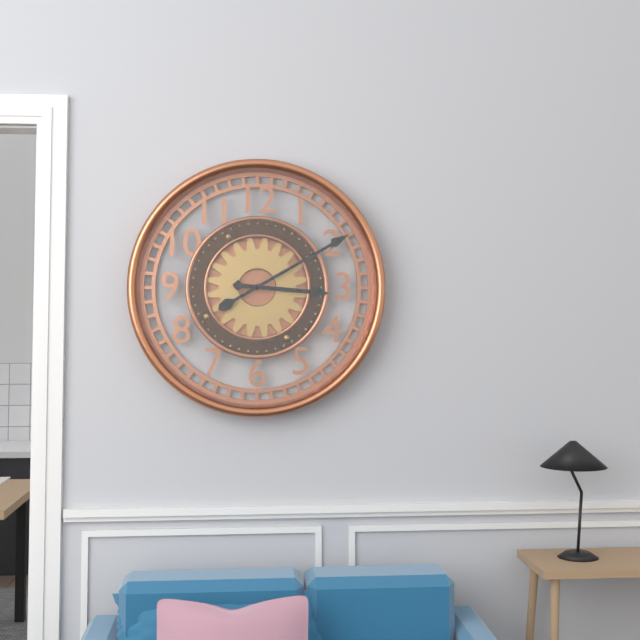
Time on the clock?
3:10
